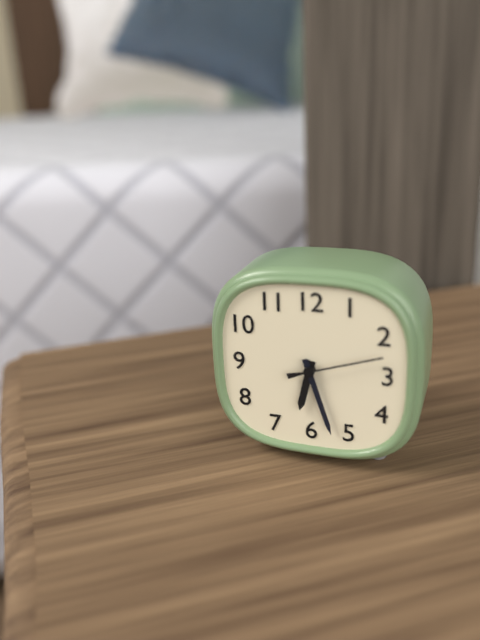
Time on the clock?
6:27:12
